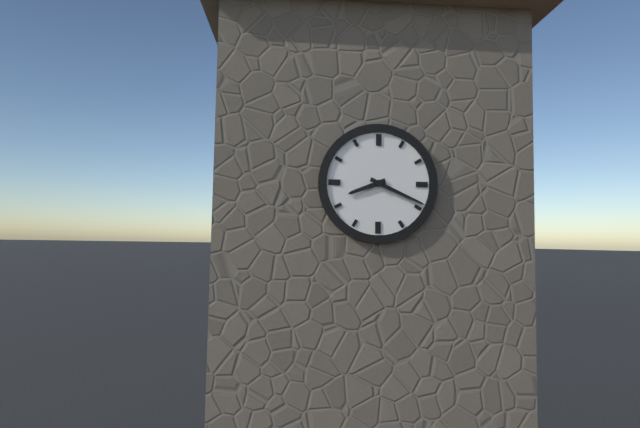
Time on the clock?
8:19
